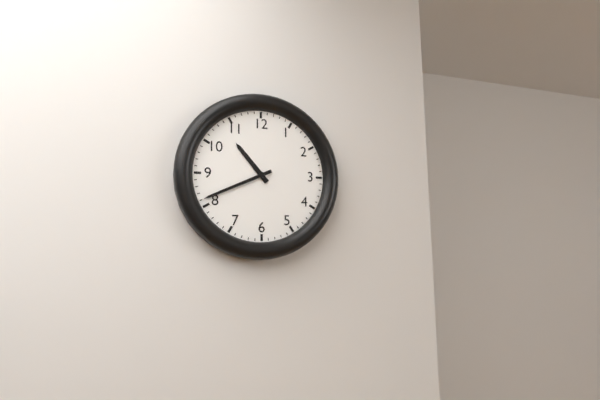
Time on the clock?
10:41
